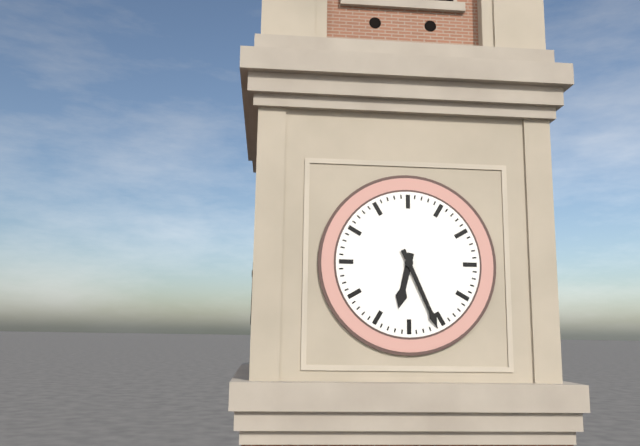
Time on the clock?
6:26
